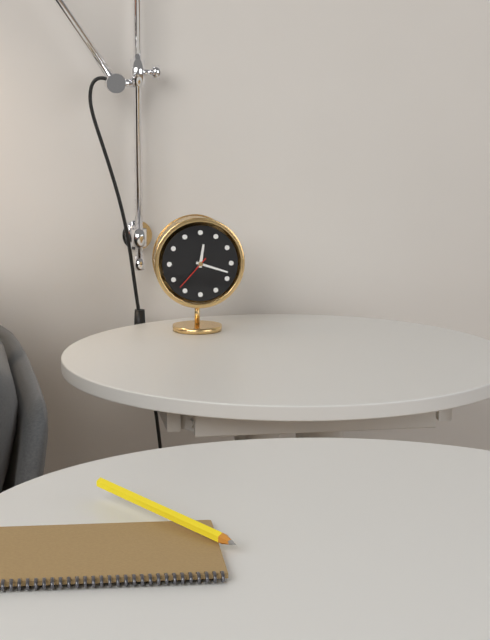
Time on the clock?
12:18
